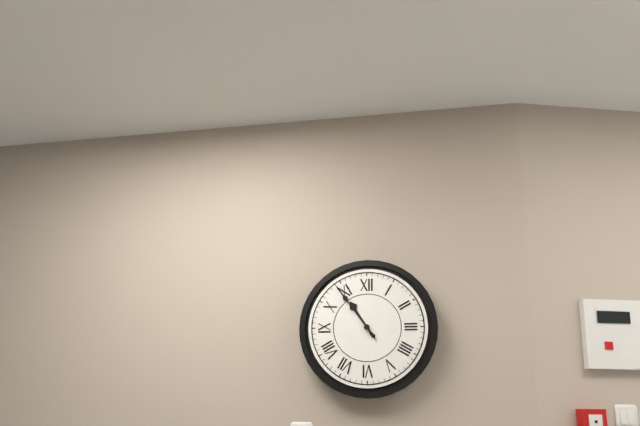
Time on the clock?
10:54
